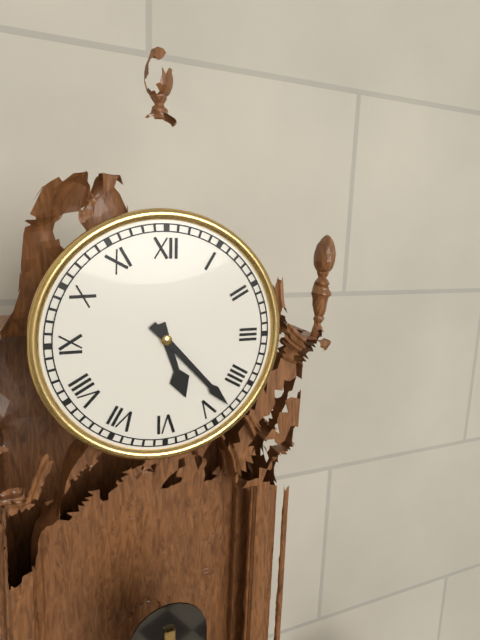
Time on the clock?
5:23
